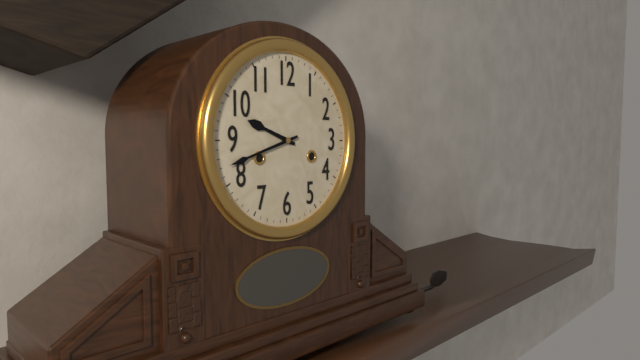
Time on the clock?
9:42
